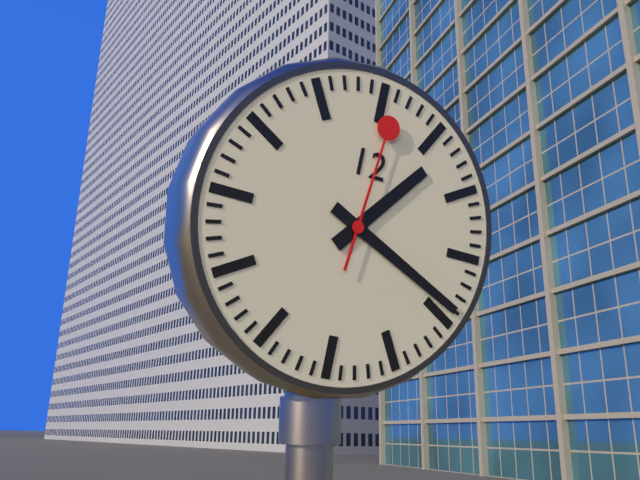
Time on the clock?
1:19:01
